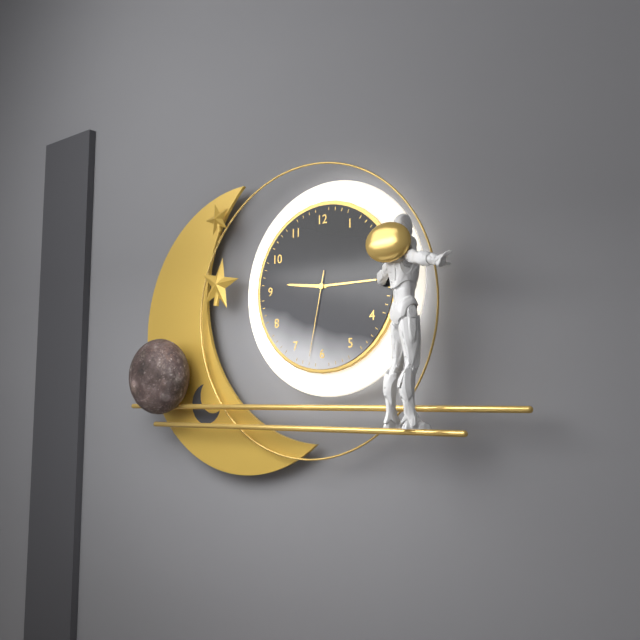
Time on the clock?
9:15:32
